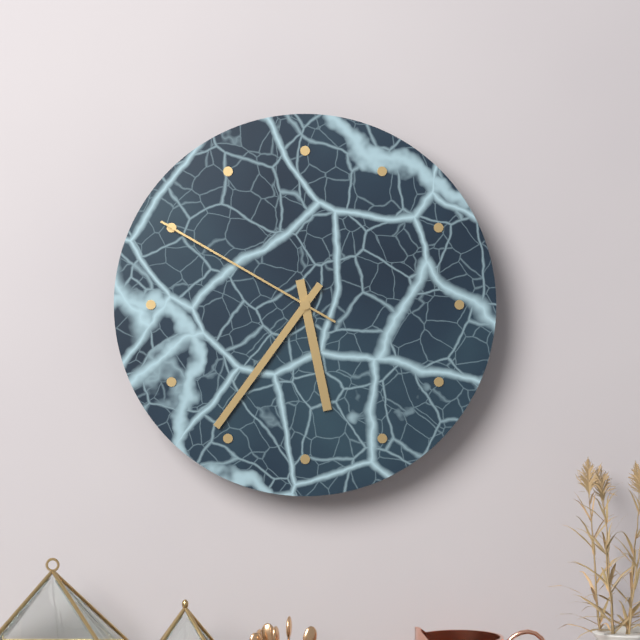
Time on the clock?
5:36:50
